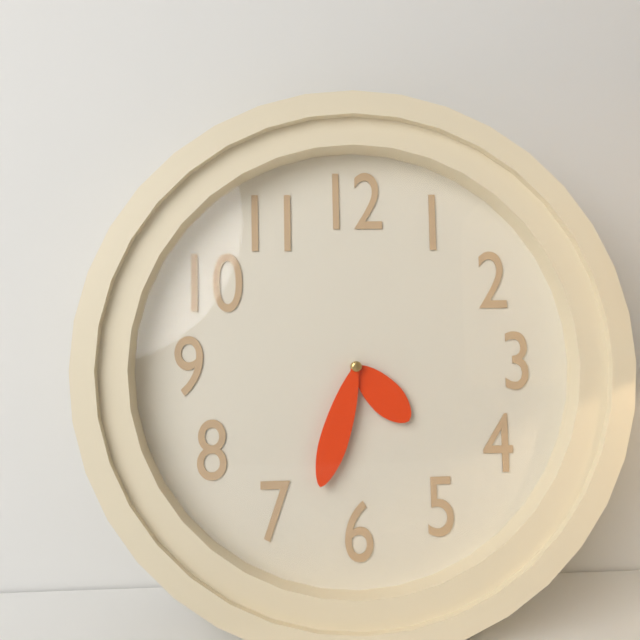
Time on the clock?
4:33
